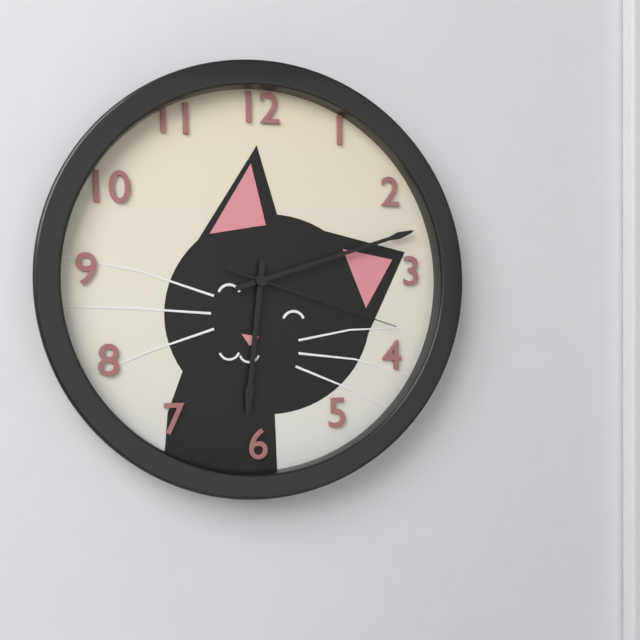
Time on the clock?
6:12:18
